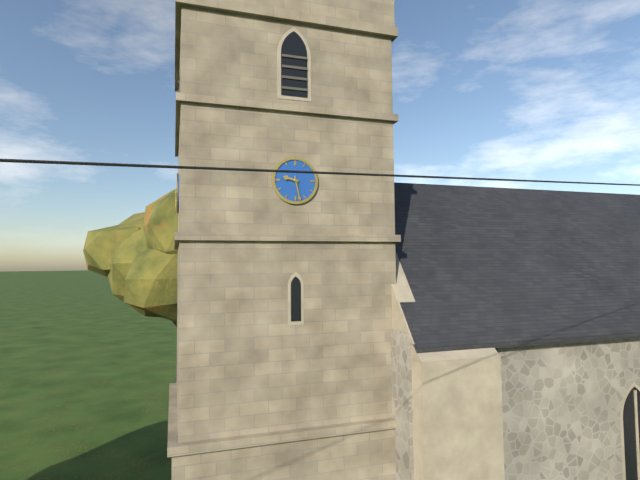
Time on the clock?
9:28
